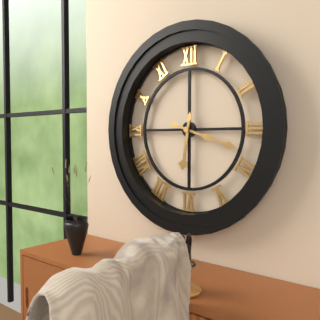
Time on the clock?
6:18
